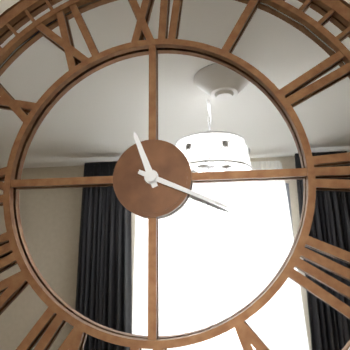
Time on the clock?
11:19
